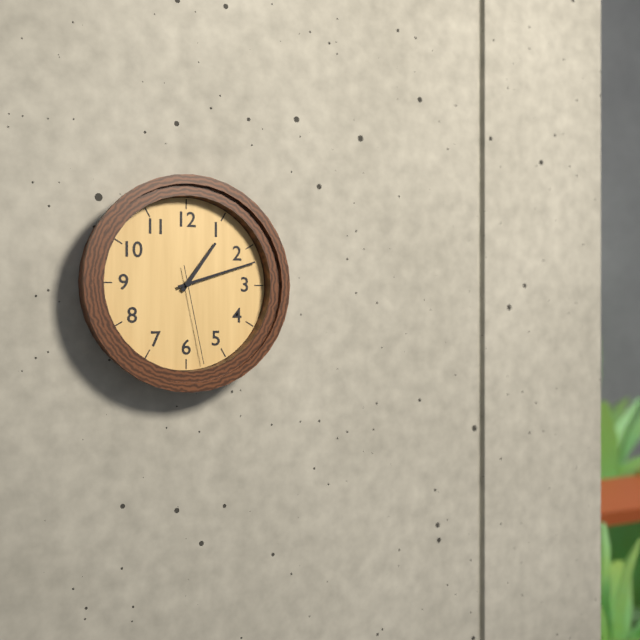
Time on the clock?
1:12:28
